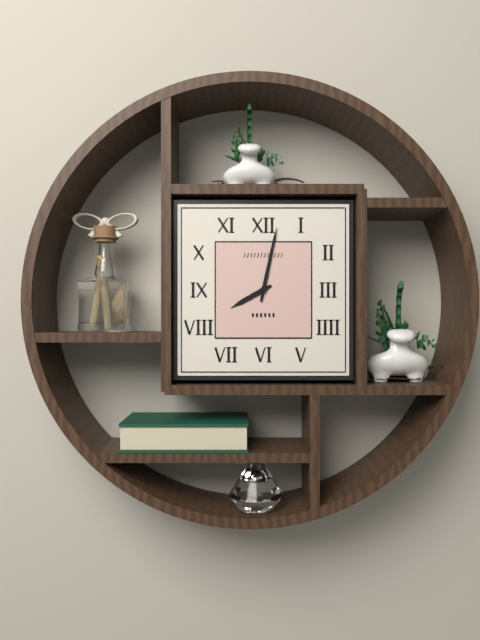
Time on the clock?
8:02
